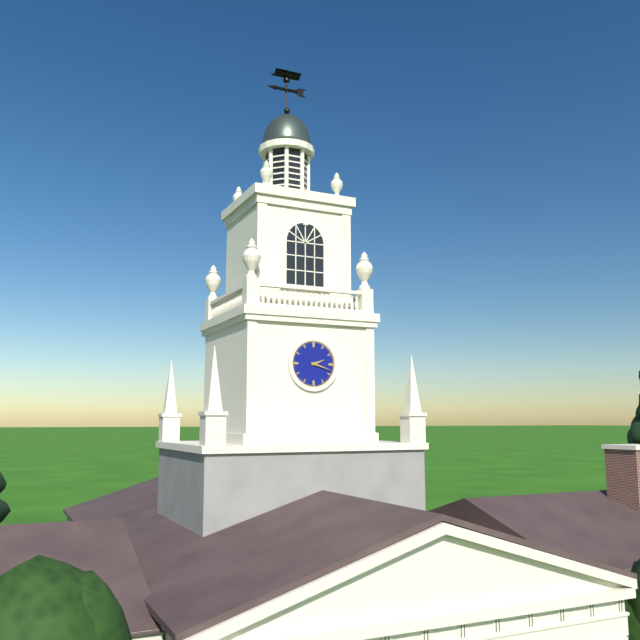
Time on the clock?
2:18
